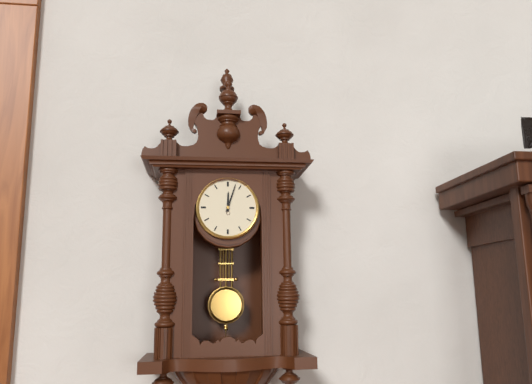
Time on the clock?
12:03
